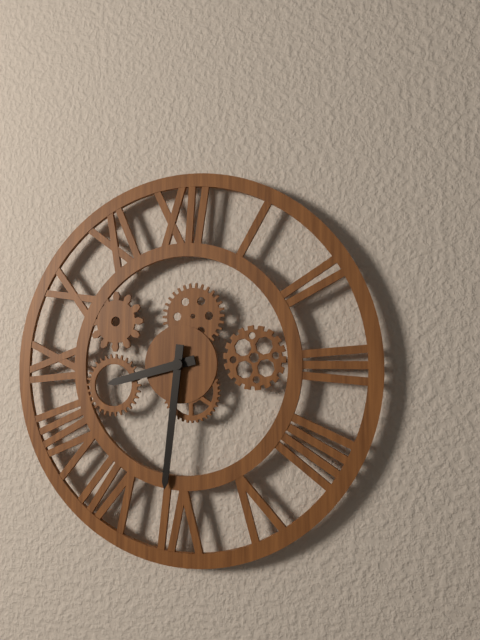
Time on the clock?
8:31
